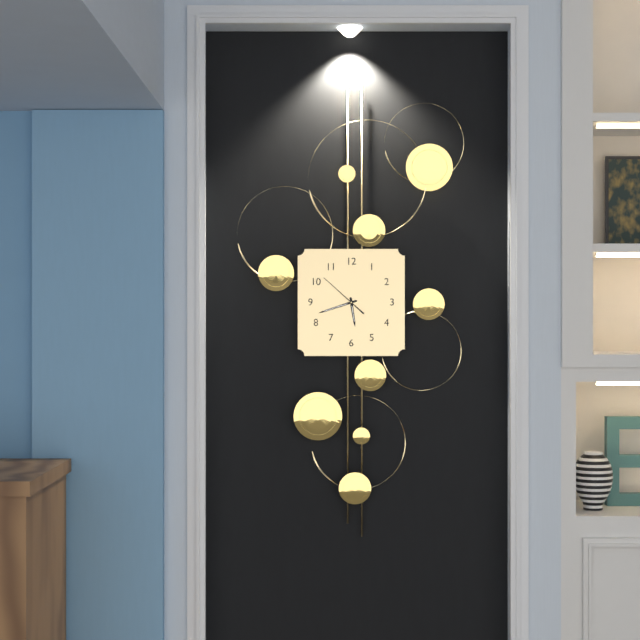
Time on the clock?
5:42
